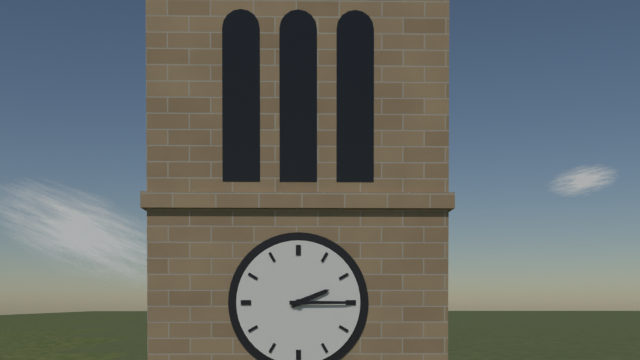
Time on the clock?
2:15
